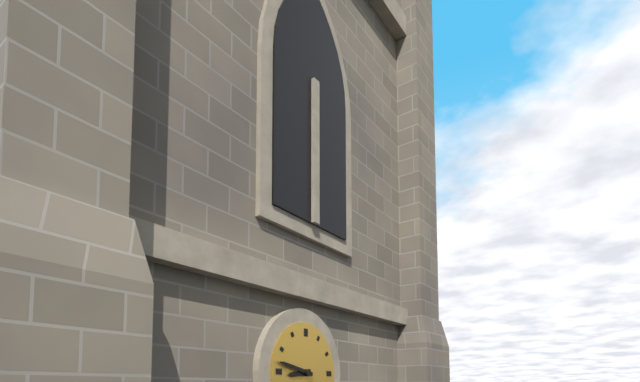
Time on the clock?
8:47
